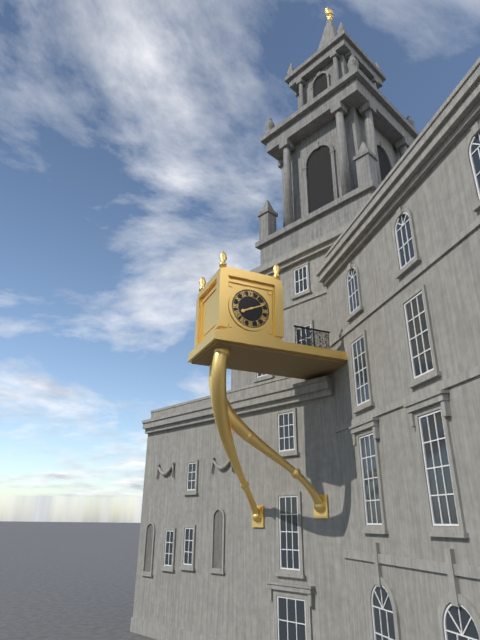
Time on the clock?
8:11
